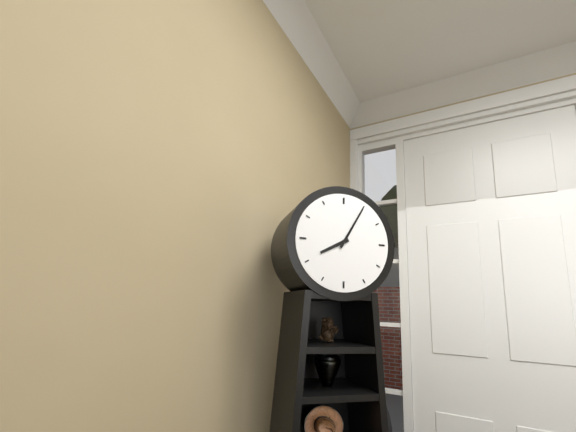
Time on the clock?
8:05
